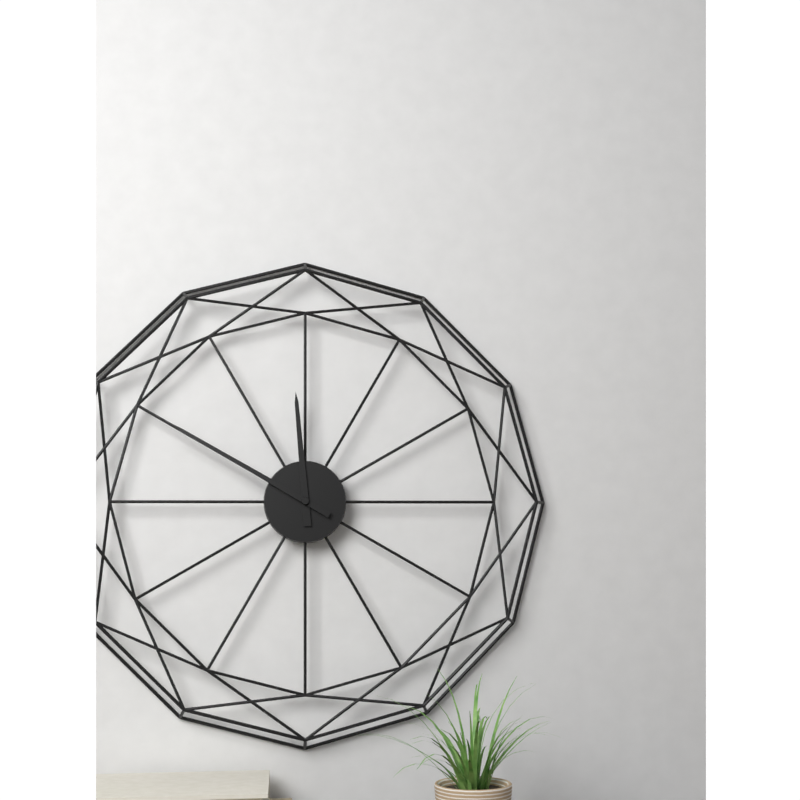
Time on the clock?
11:50
